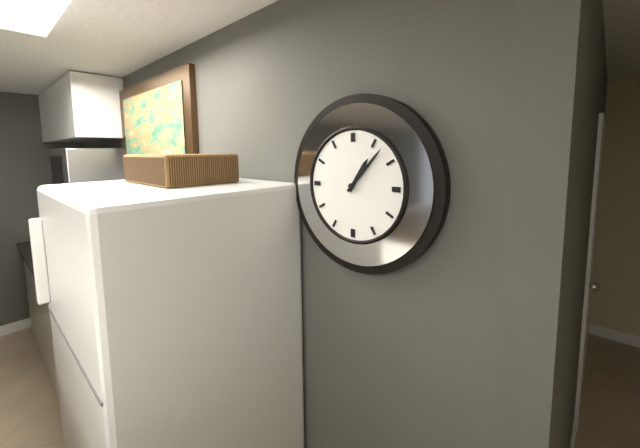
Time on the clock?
1:07
